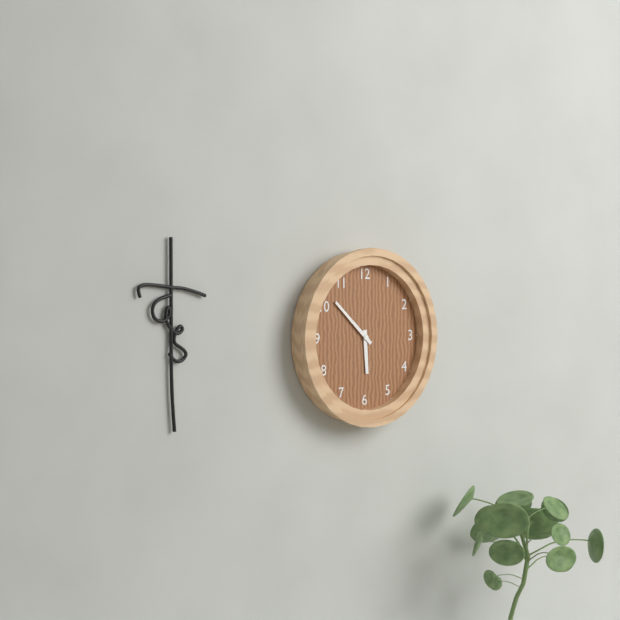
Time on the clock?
5:52
